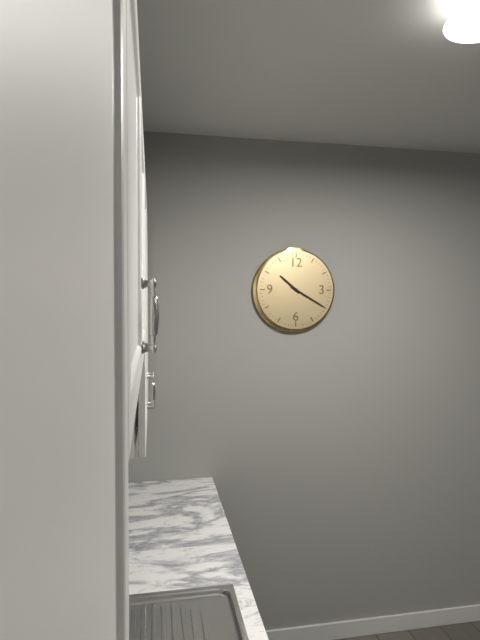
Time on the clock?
10:20
